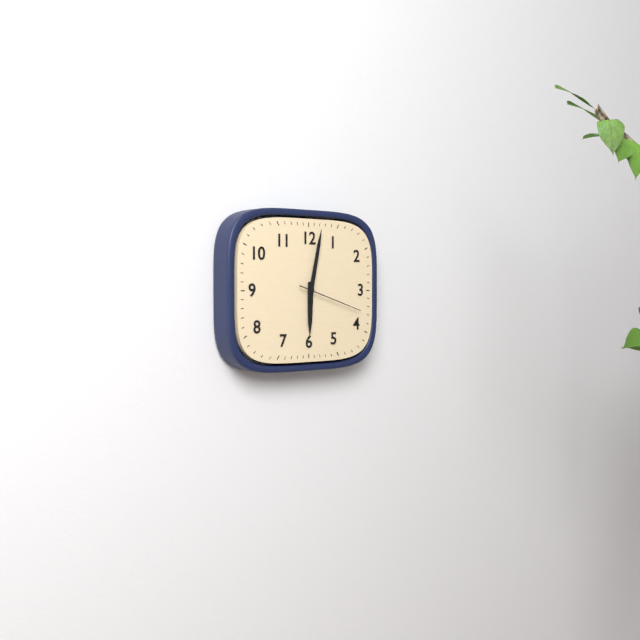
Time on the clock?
6:02:18
